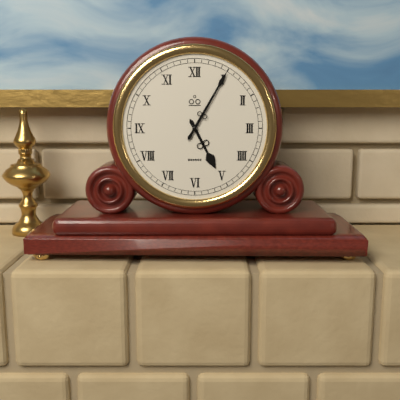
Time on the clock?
5:05
